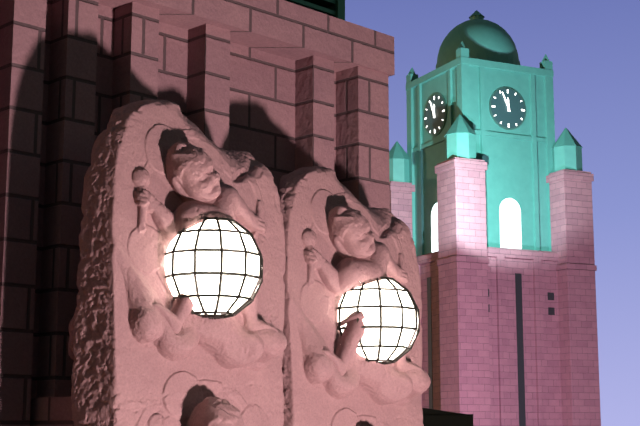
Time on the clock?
11:56
